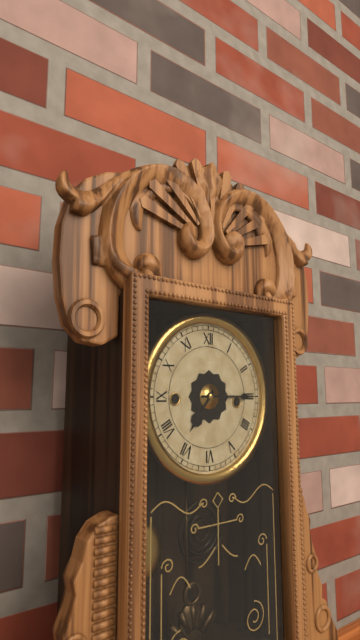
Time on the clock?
7:15
